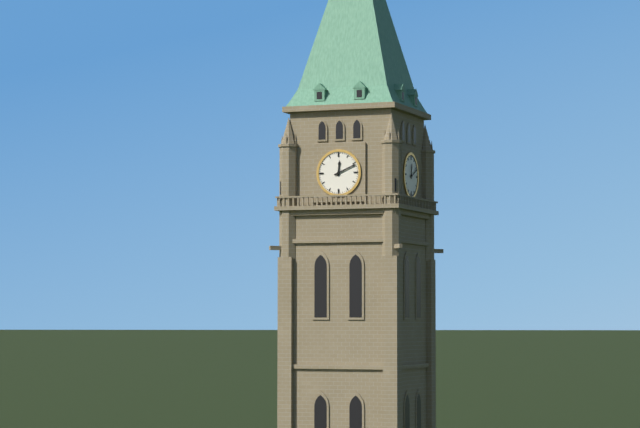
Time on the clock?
12:11
